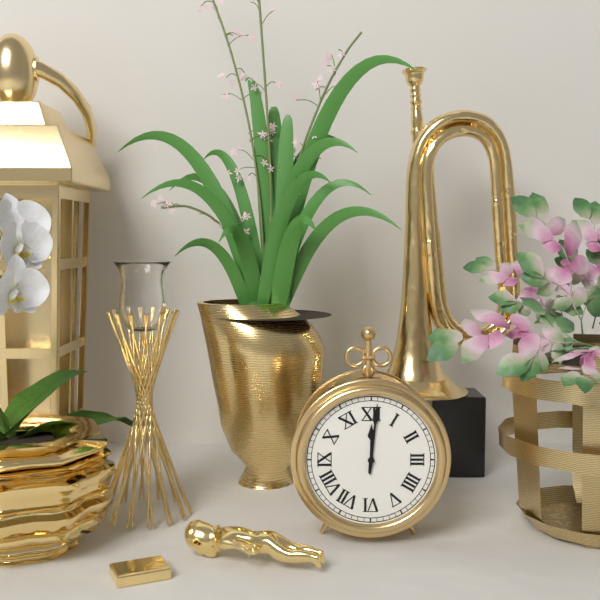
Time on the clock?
12:01
